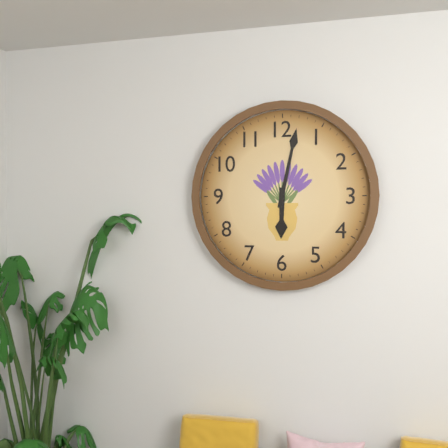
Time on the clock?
6:02
